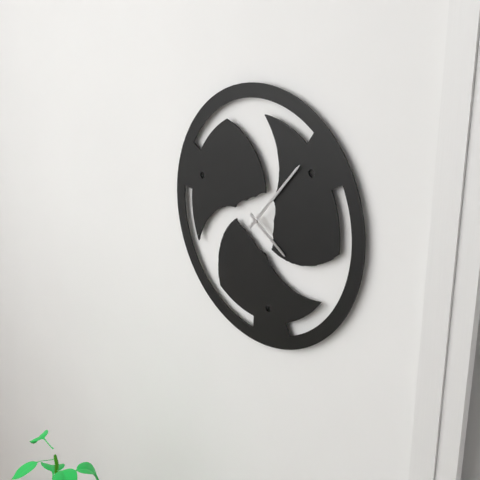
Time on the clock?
4:07
